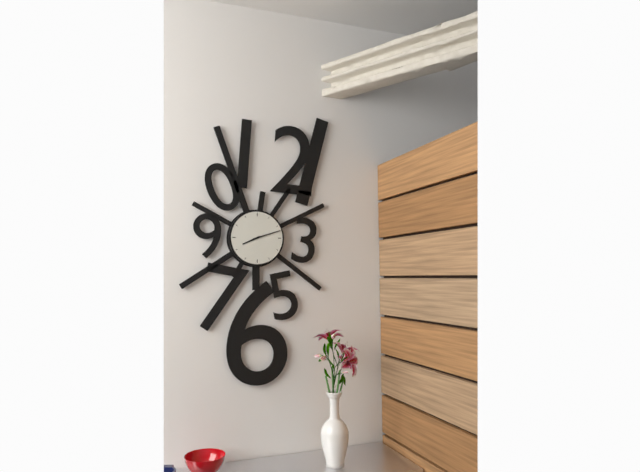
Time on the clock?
8:12
